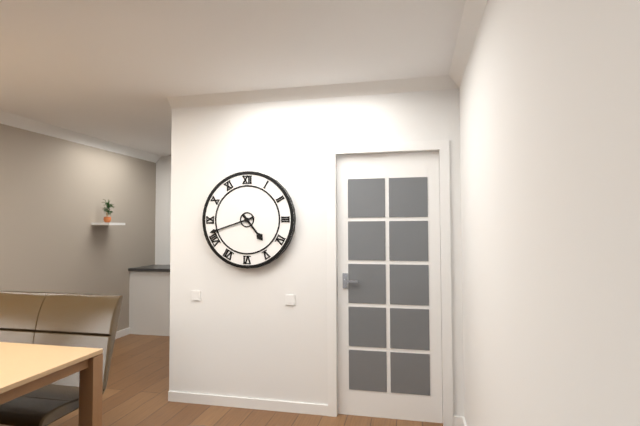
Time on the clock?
4:42
